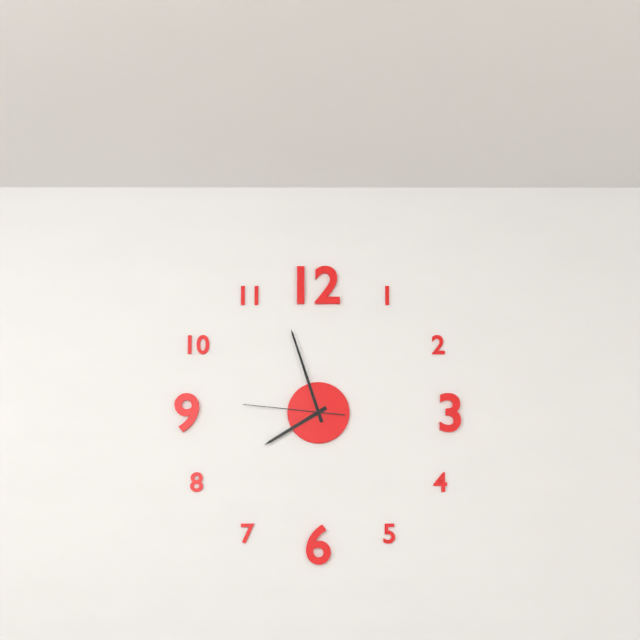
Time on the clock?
7:57:46
